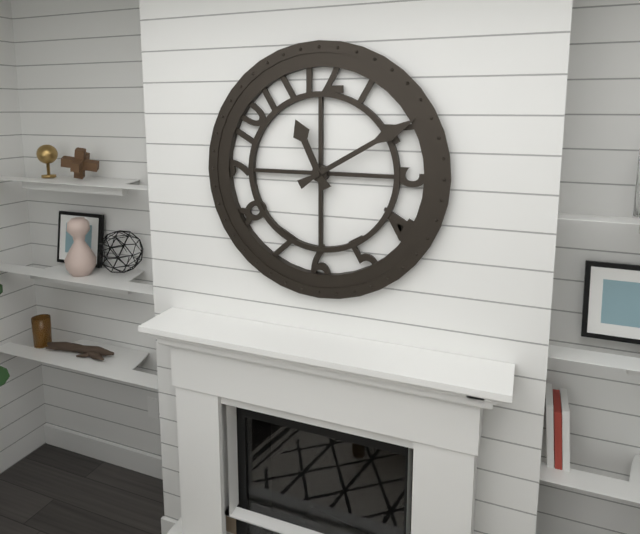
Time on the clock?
11:10
